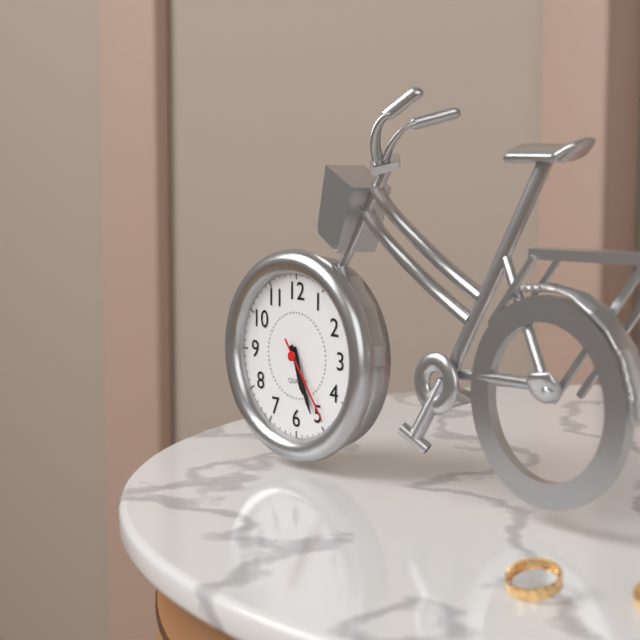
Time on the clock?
5:26:24
